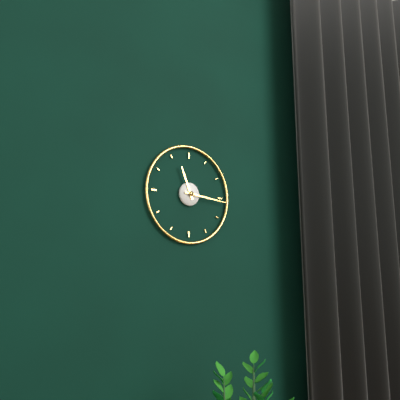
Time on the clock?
11:16
